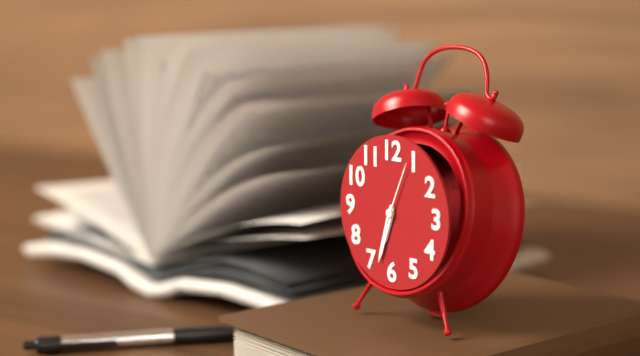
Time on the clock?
6:33:04
